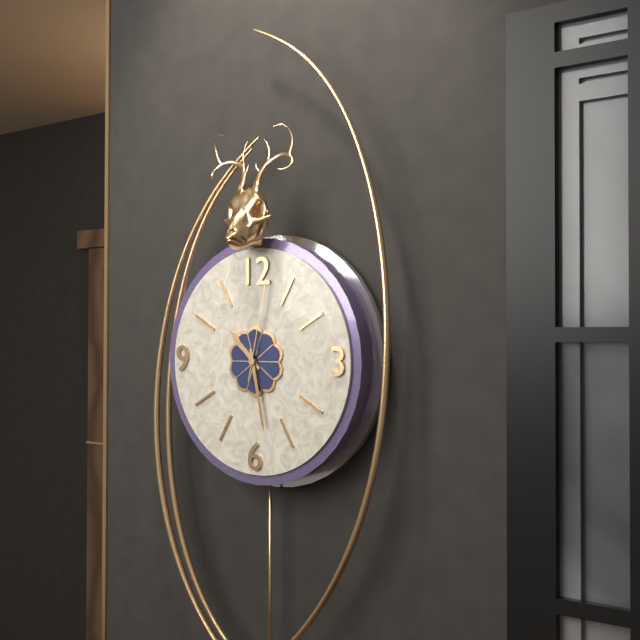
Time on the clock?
10:28:02
